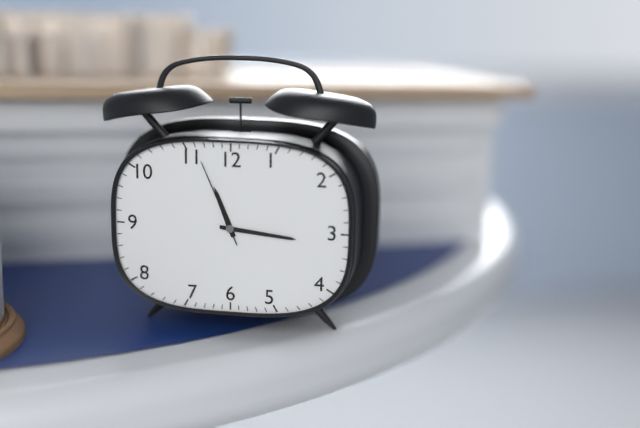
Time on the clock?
11:16:56
